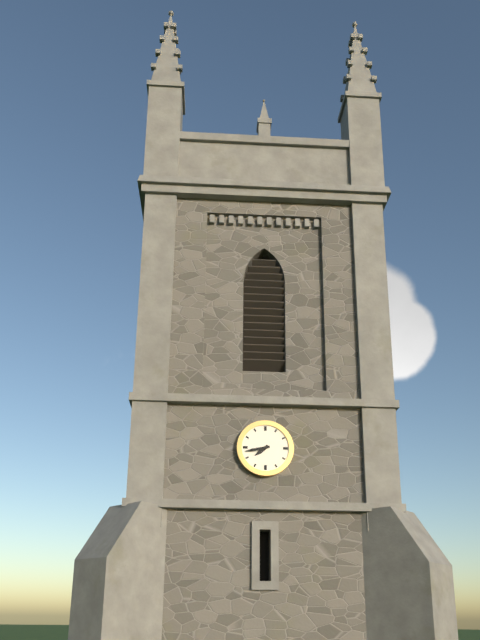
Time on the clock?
7:43
